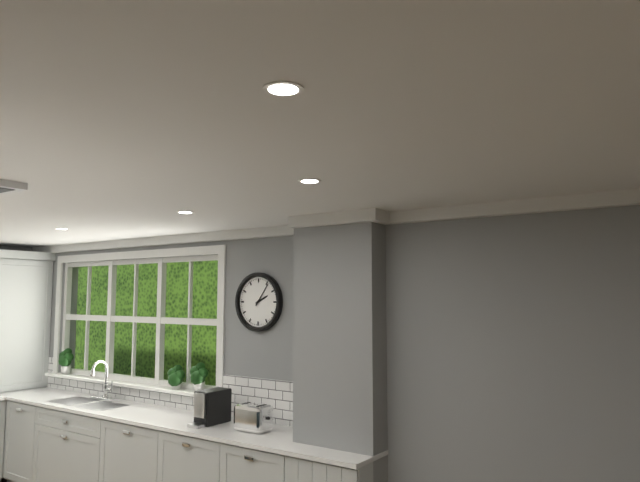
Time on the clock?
2:06
